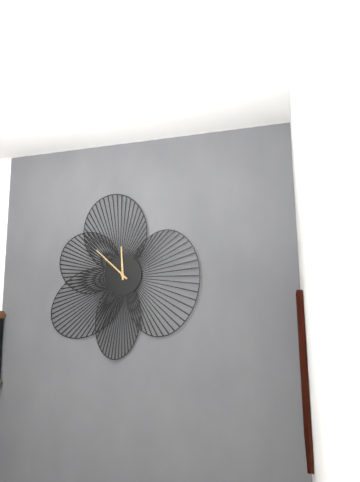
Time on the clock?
11:52
